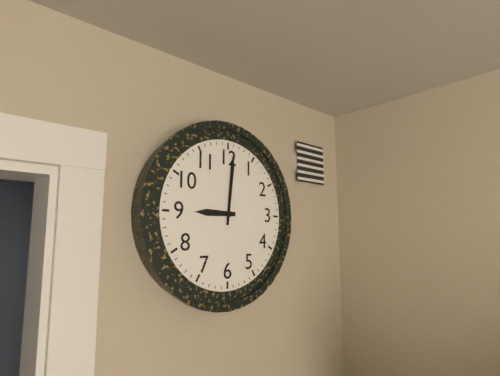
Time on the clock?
9:01
